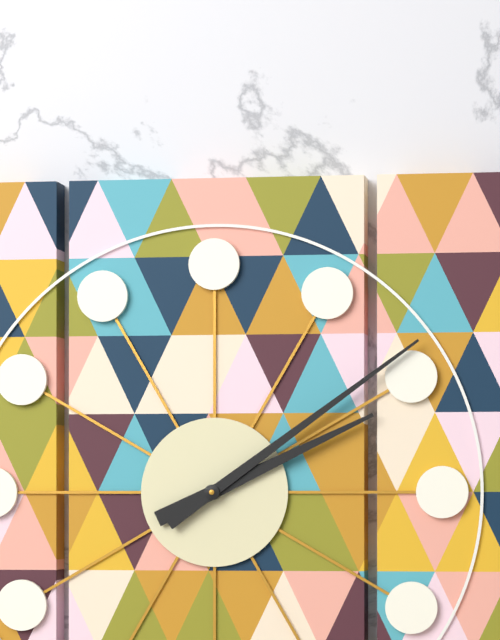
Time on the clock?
2:09
